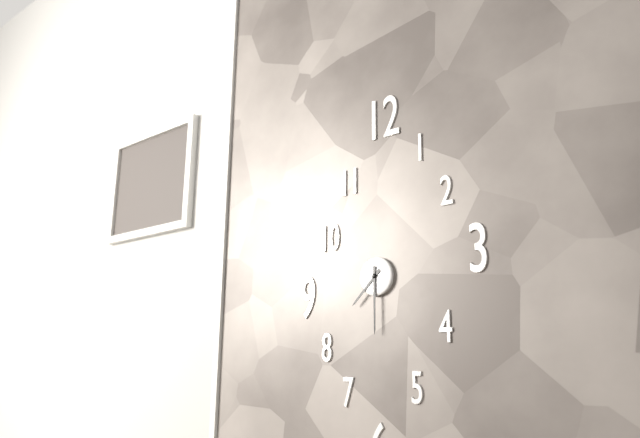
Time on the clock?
7:30
